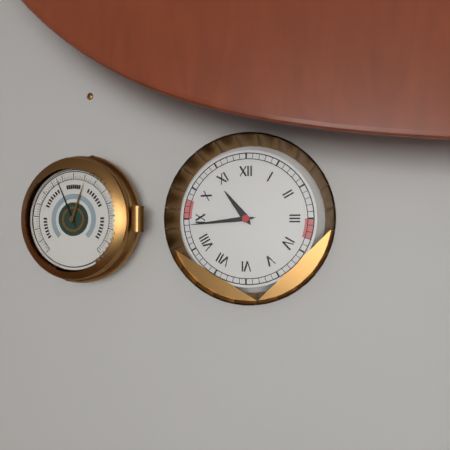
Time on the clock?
10:44
